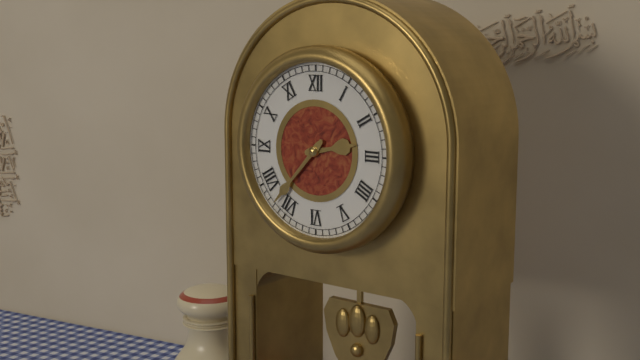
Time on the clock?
2:37
